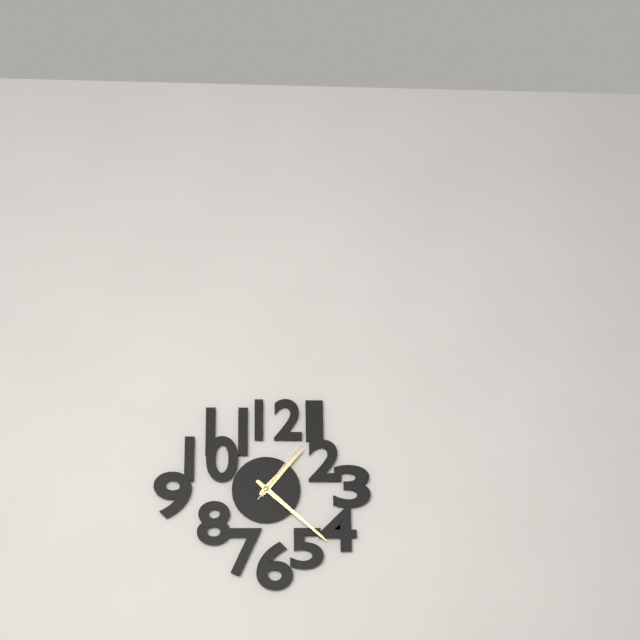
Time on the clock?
1:22:06
